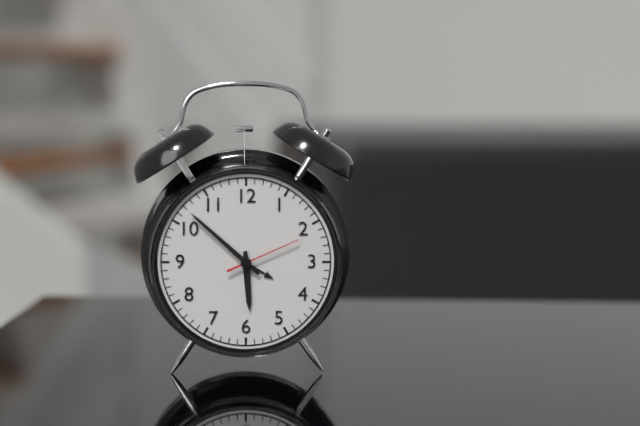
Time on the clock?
5:52:11
